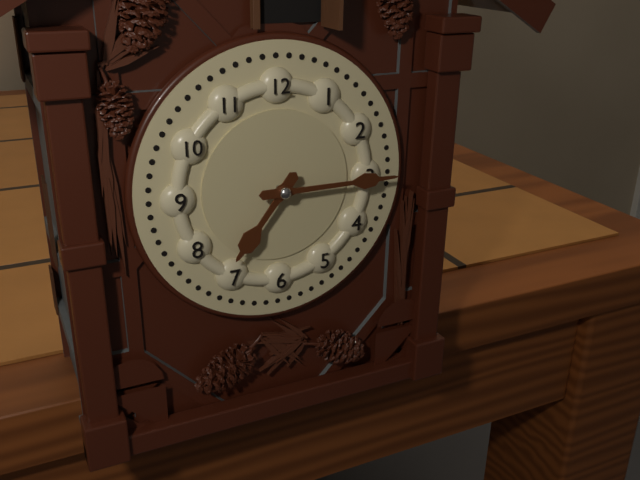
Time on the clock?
7:15
